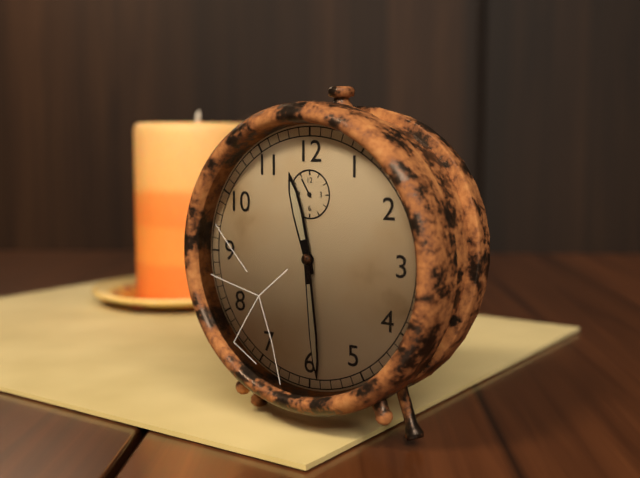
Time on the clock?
11:29
